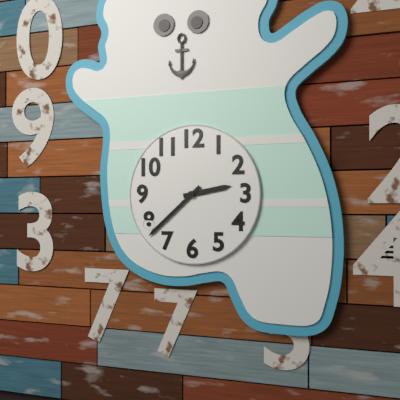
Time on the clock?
2:38
